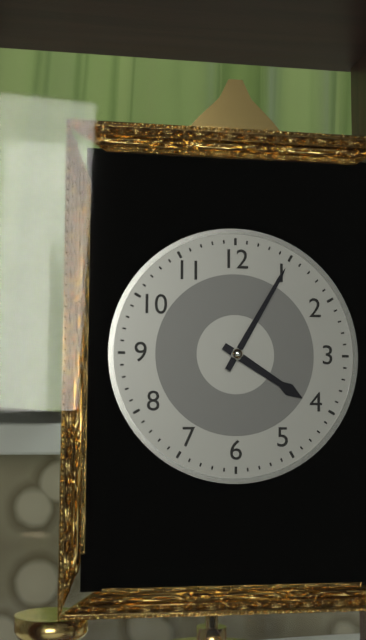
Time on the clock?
4:05
